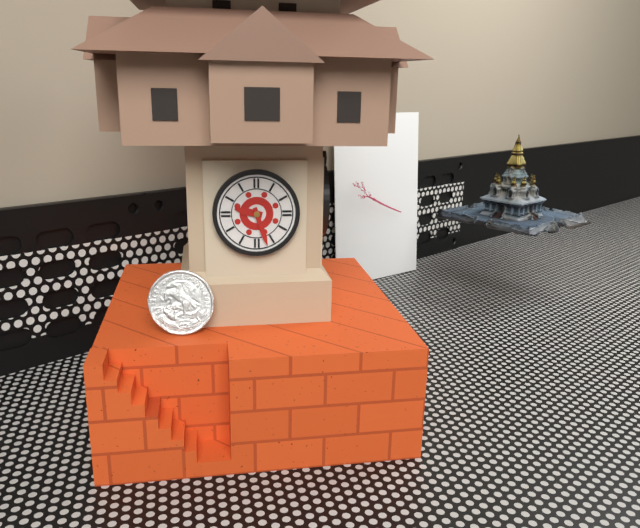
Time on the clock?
9:27
